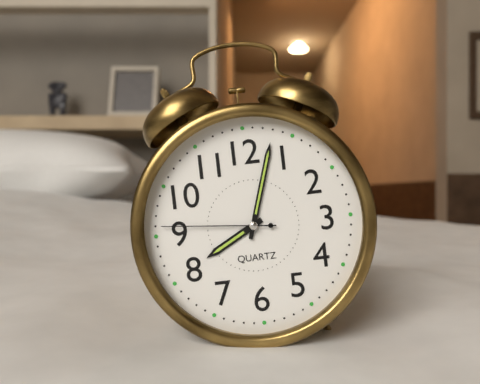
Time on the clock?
8:03:46
